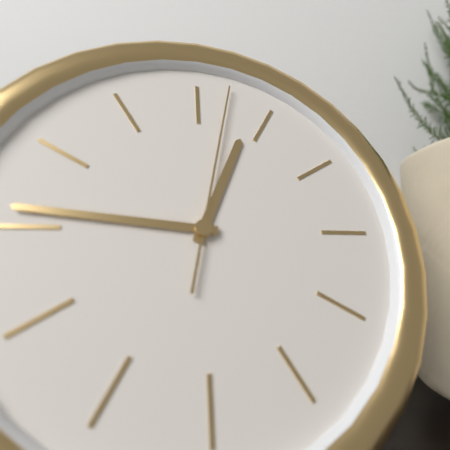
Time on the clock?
12:46:02
